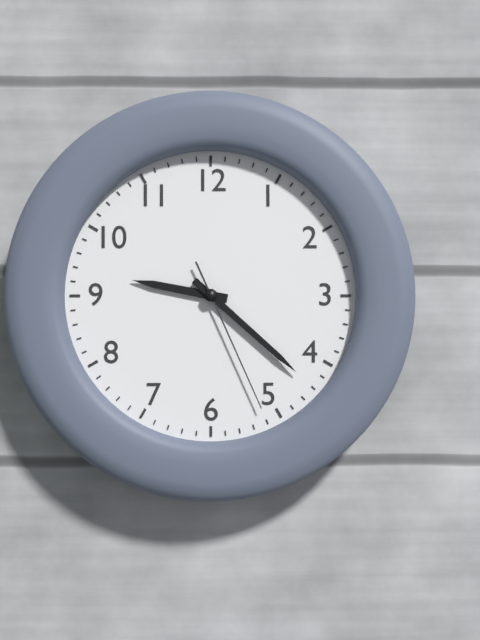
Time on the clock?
9:22:26
